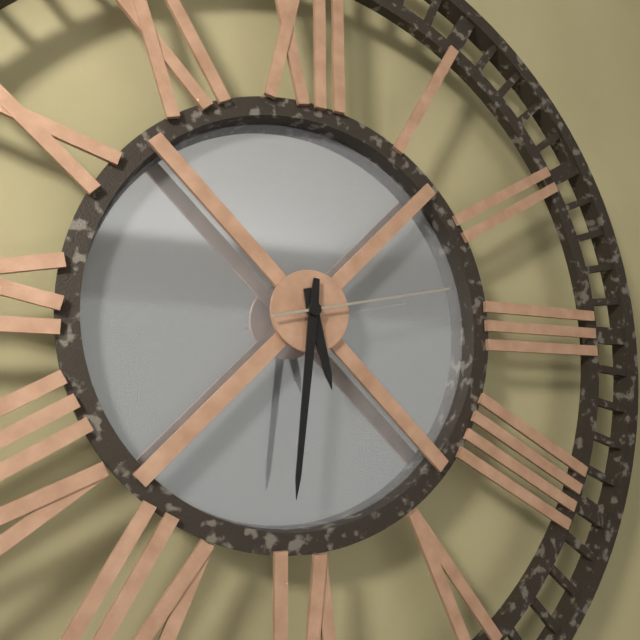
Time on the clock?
5:31:13
